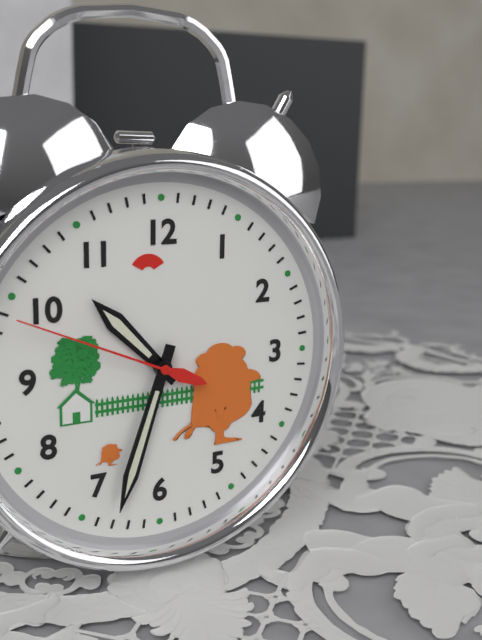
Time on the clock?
10:33:49
